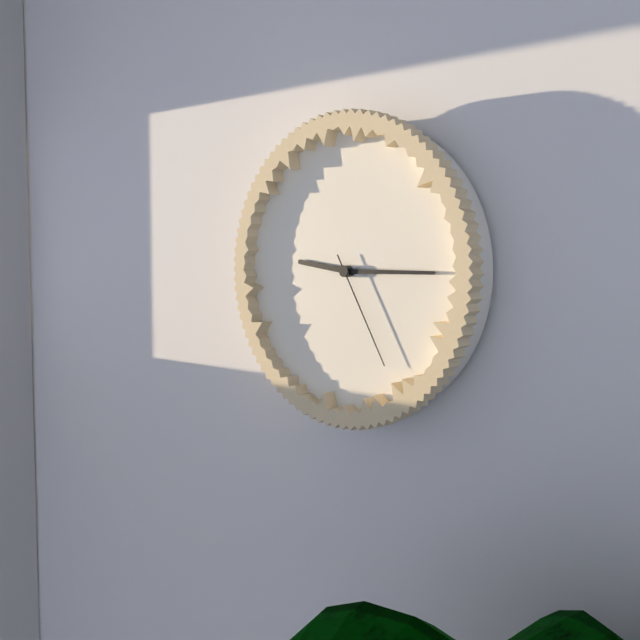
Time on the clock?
9:15:25
